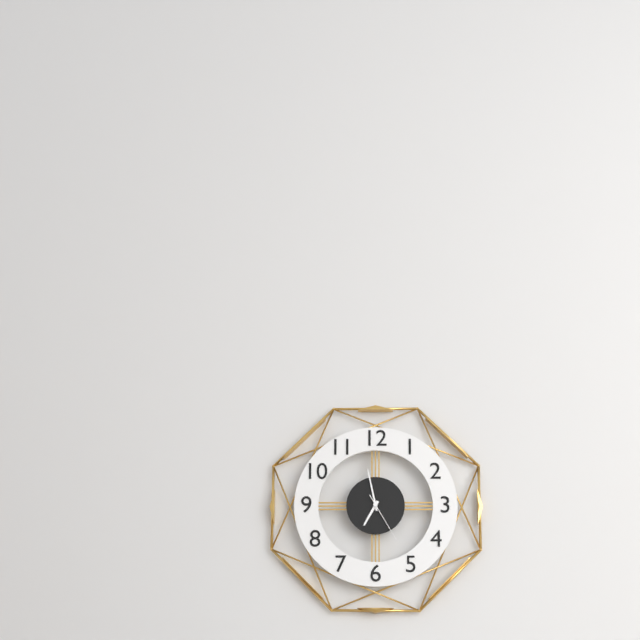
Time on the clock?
6:58
